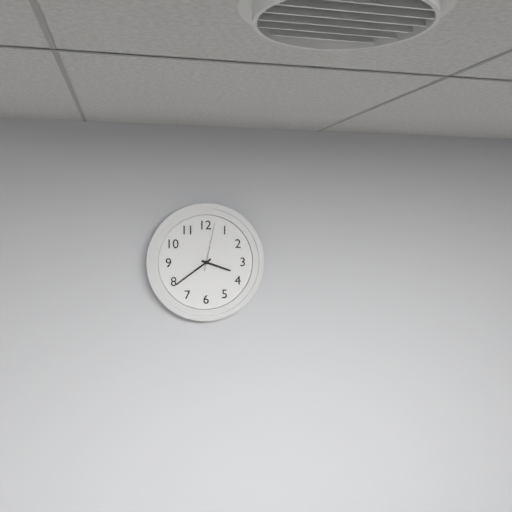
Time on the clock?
3:39:02
